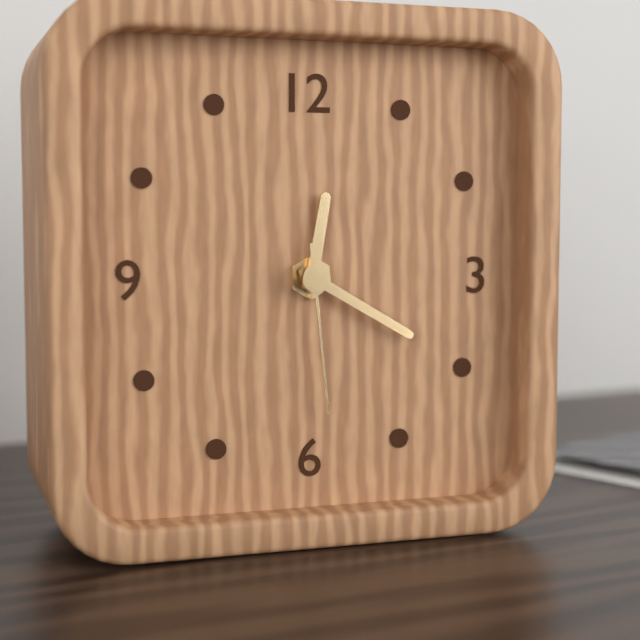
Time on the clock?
12:20:29
